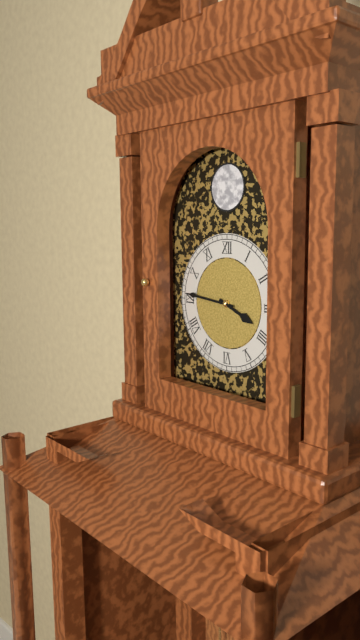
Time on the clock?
3:46
